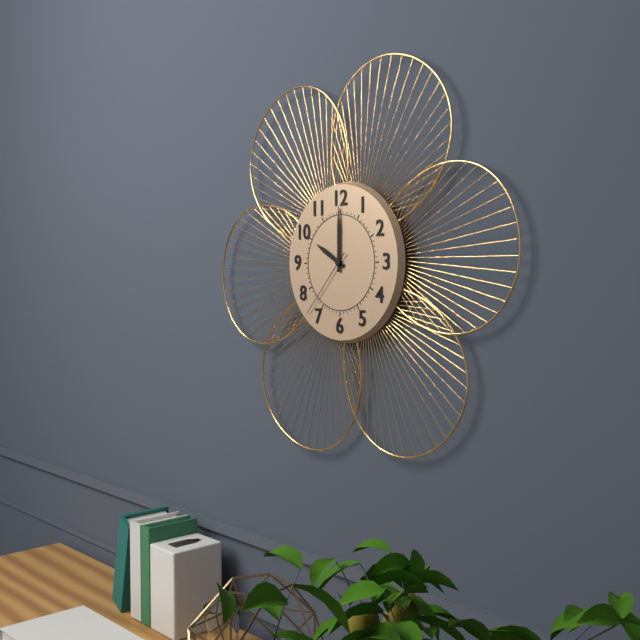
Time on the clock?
10:00:37
